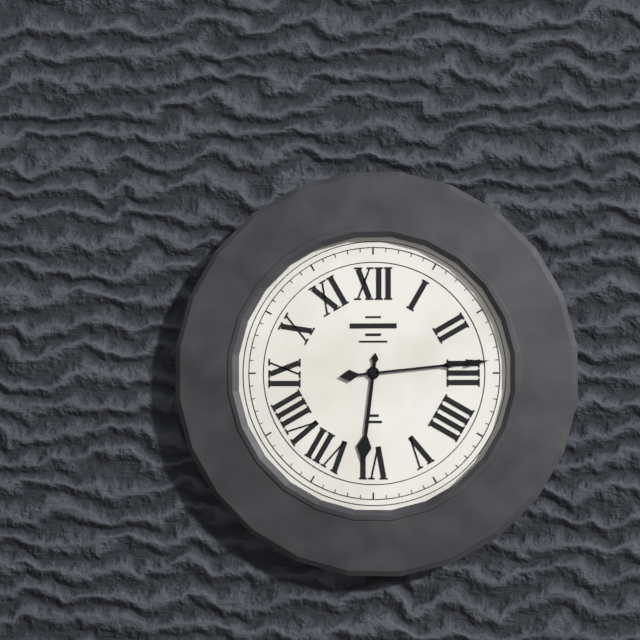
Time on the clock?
6:14
